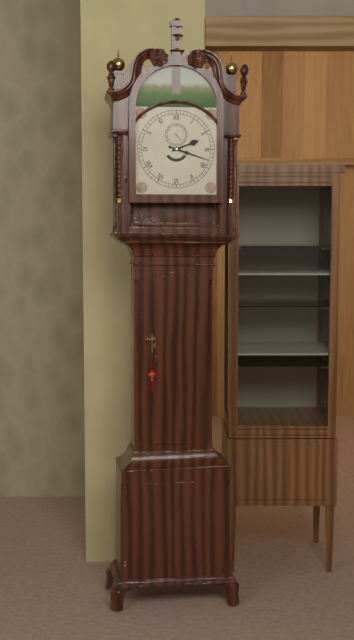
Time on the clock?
2:18
